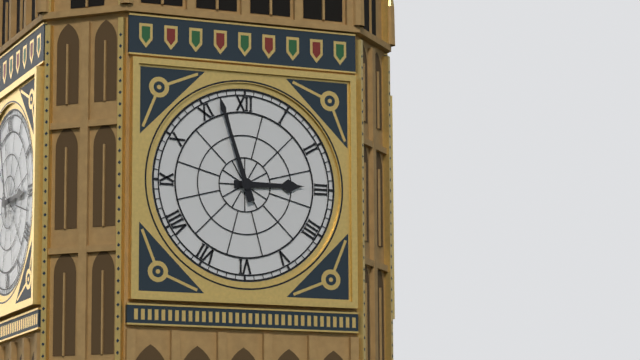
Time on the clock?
2:57
